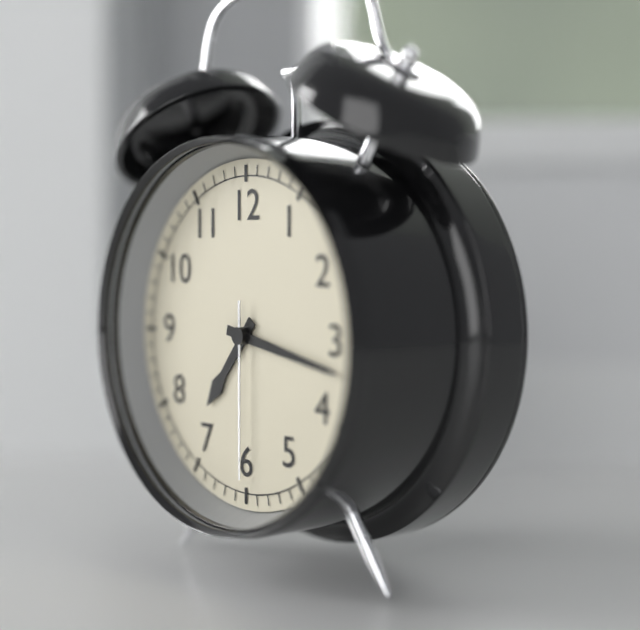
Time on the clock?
7:17:30
